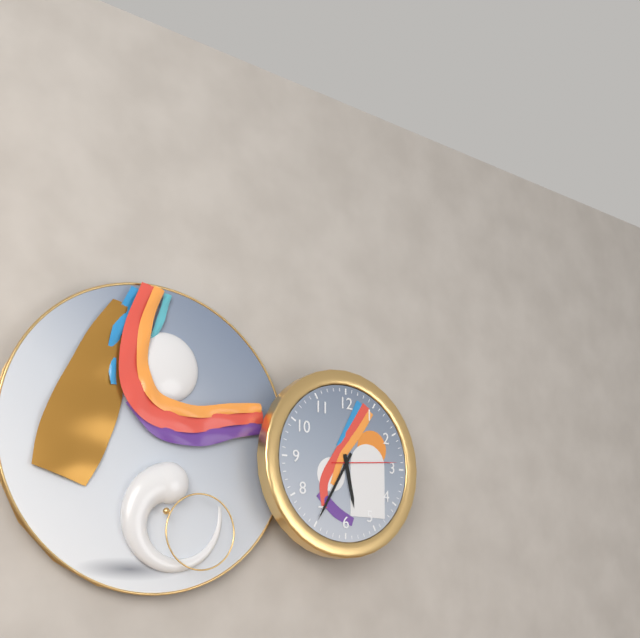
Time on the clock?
5:35:14
